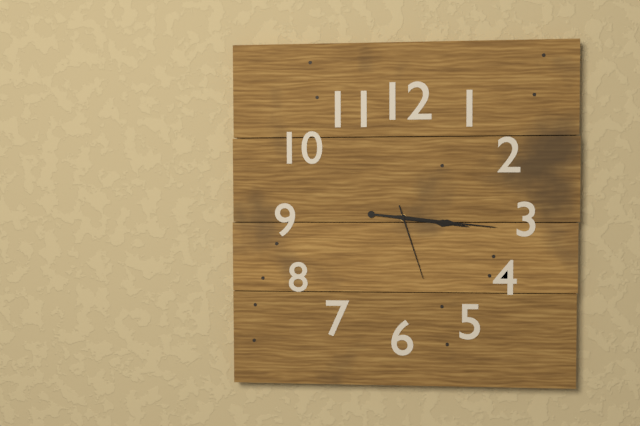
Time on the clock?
3:16:27
